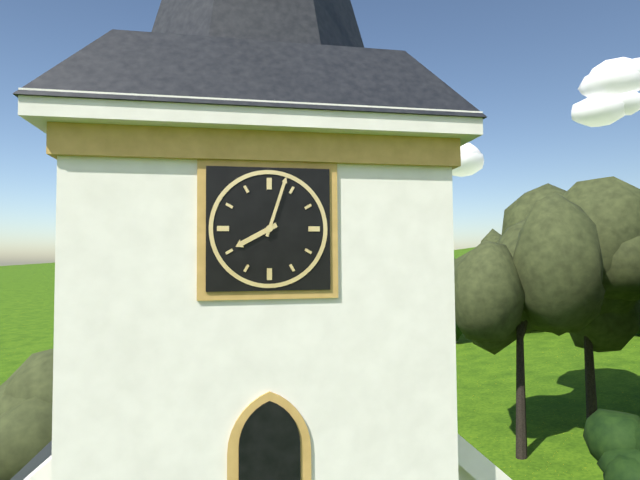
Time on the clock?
8:03
